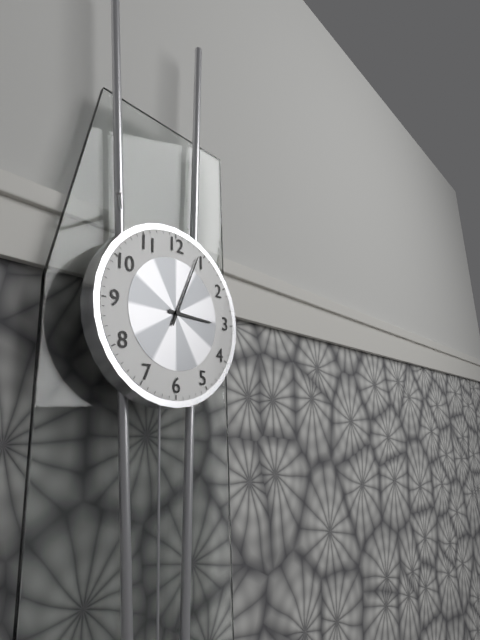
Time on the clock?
3:04
